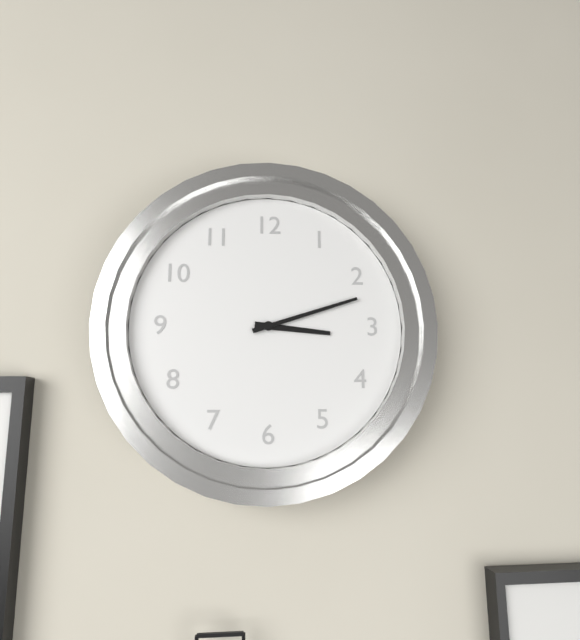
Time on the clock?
3:12
